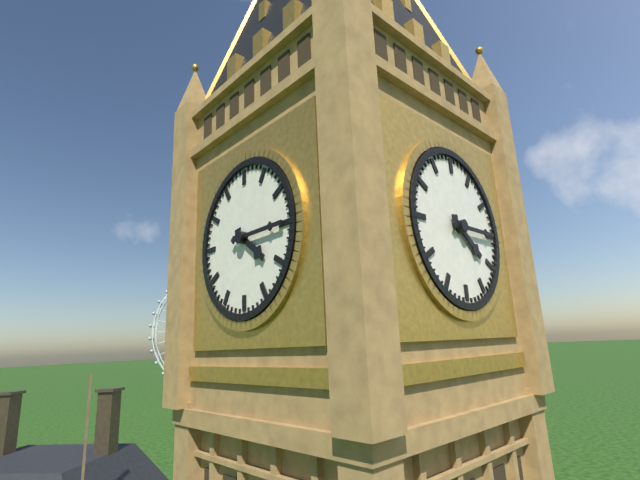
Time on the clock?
4:15
